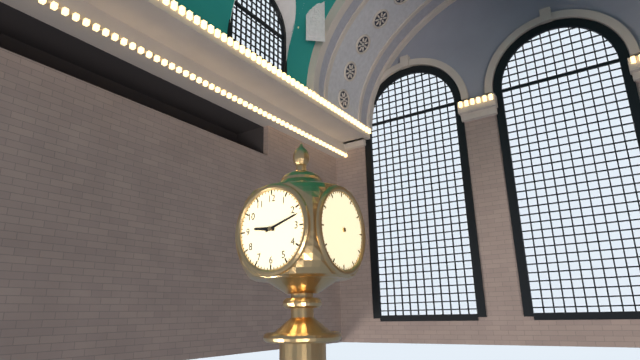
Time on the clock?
9:12
